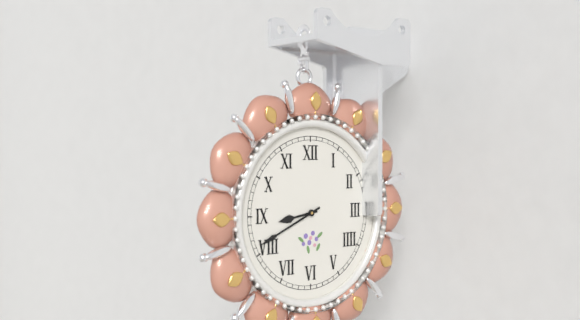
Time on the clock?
8:41
